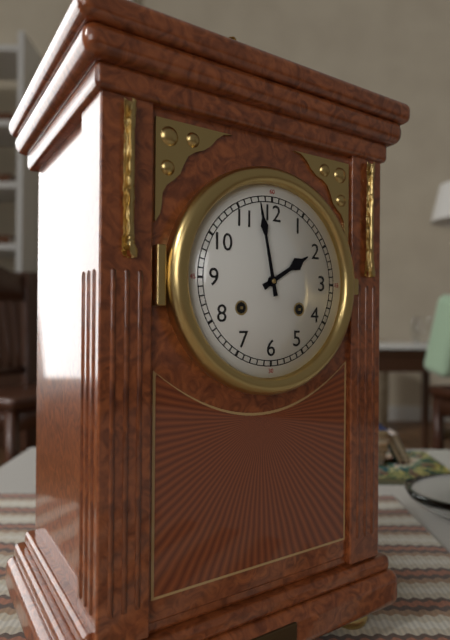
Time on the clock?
1:58
